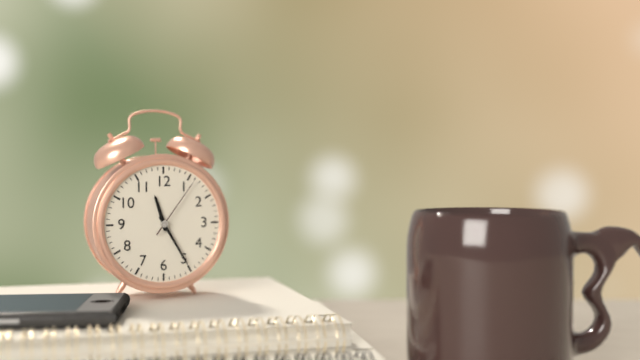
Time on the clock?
11:25:06
